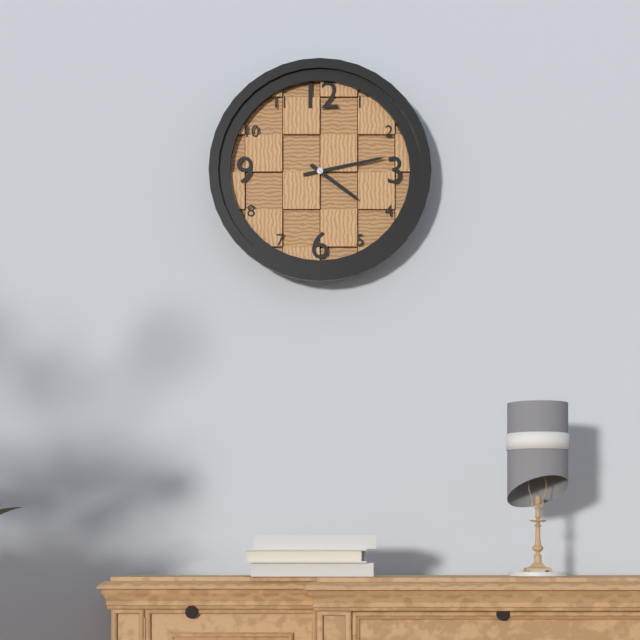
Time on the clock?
4:13
